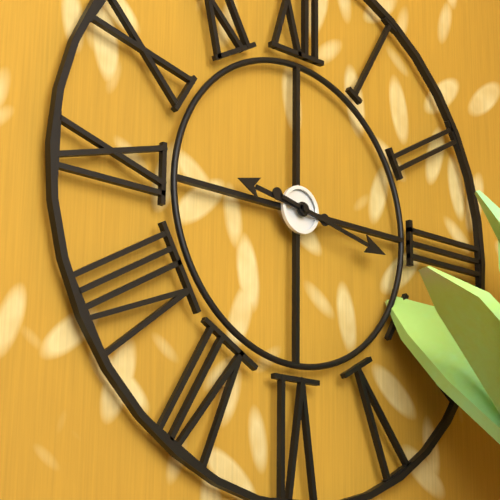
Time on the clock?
9:17
